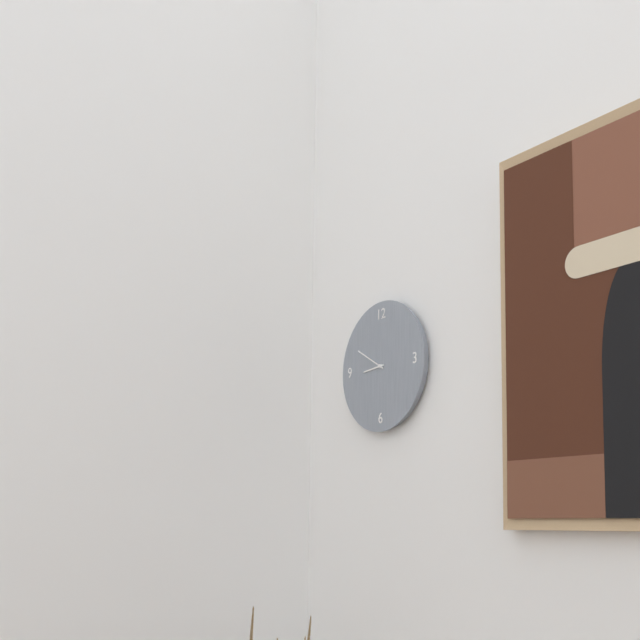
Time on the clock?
8:50
